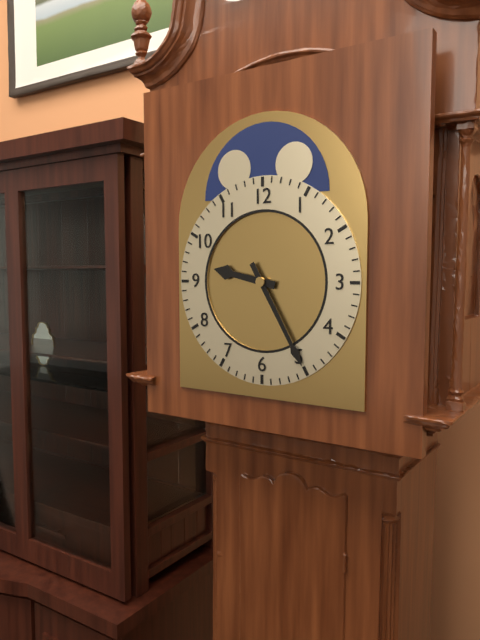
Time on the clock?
9:25
